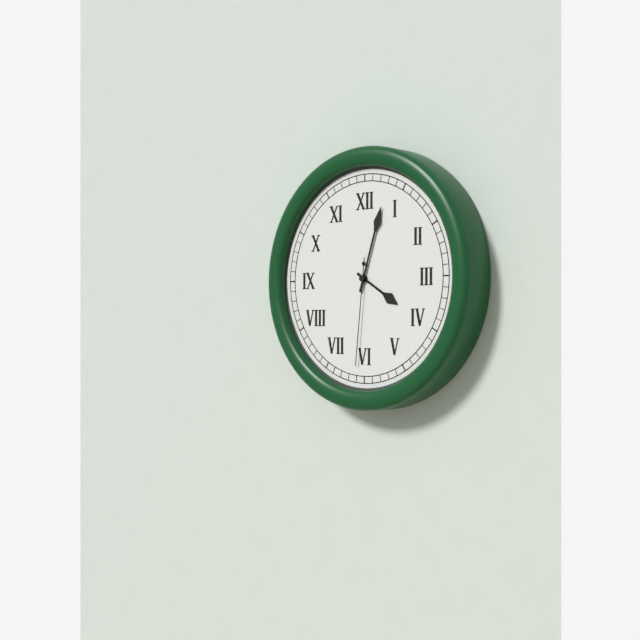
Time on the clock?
4:03:31
